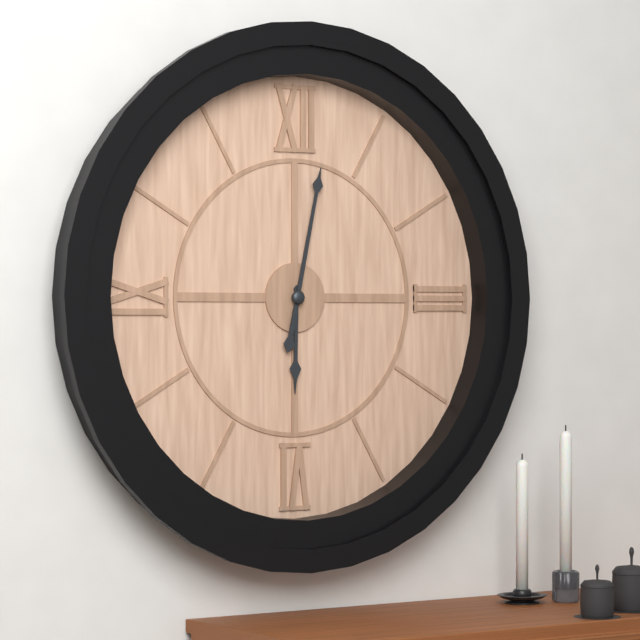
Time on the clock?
6:02
